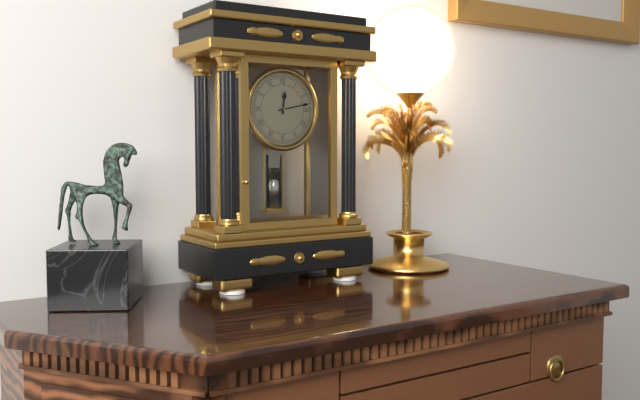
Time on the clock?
12:13
